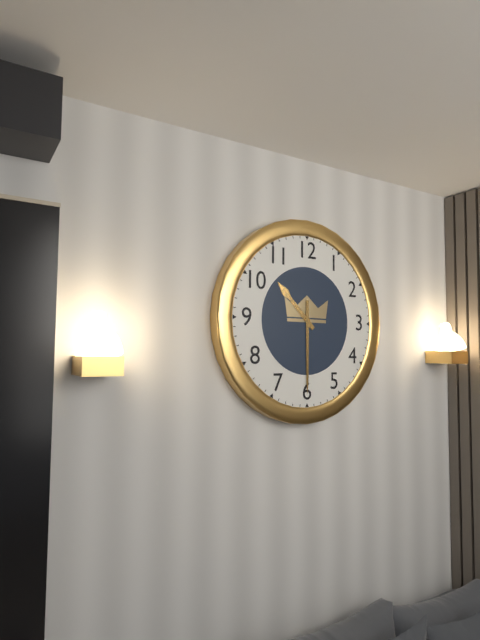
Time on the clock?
10:30
